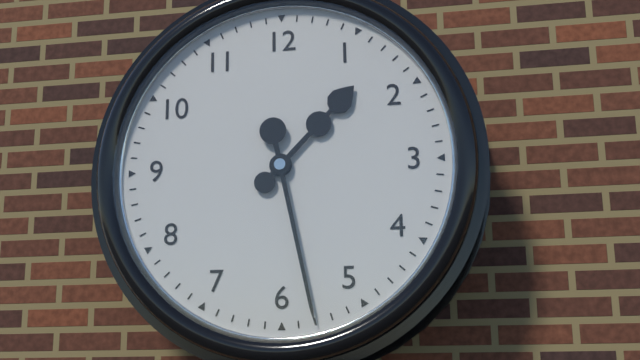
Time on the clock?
1:28
